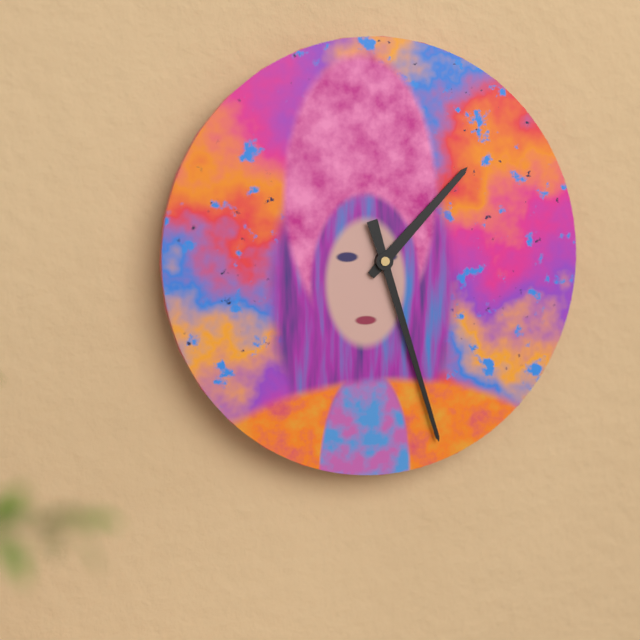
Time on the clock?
1:27
